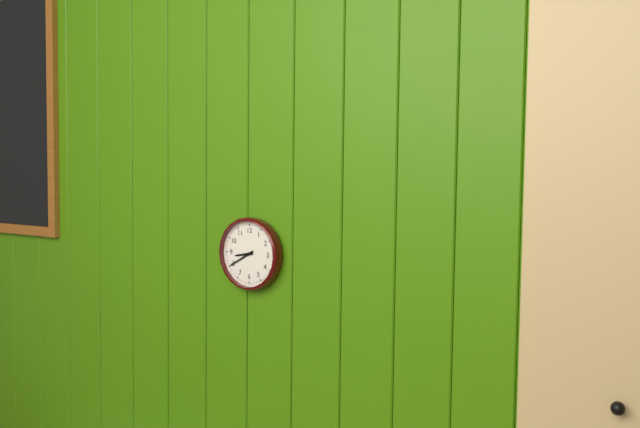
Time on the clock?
8:40
